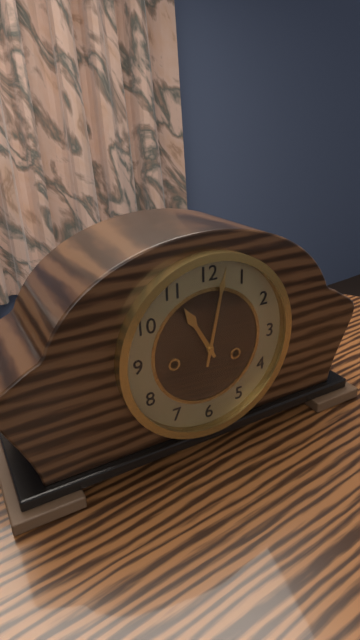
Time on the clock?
11:02
